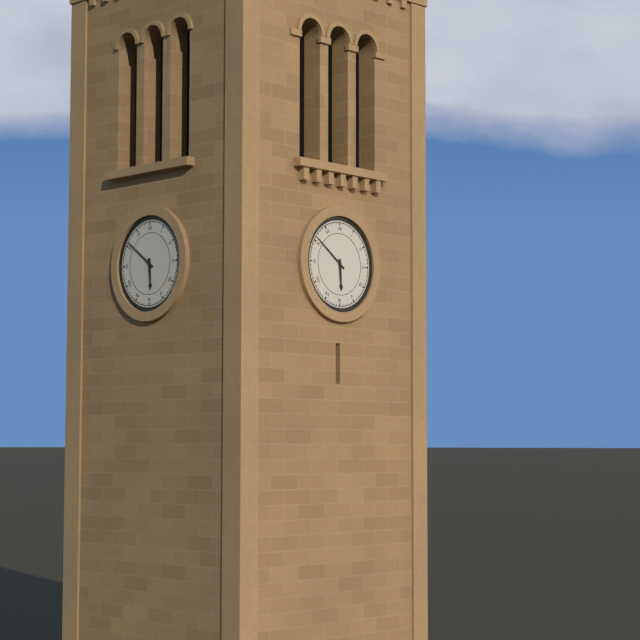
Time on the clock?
5:51
